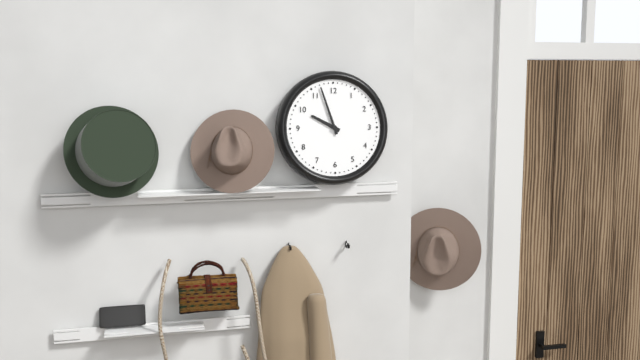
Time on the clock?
9:57
